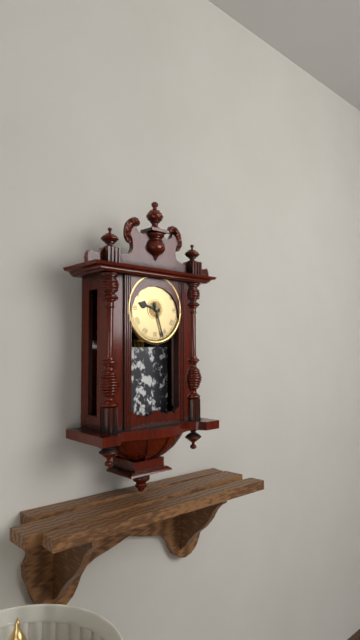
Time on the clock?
9:27
